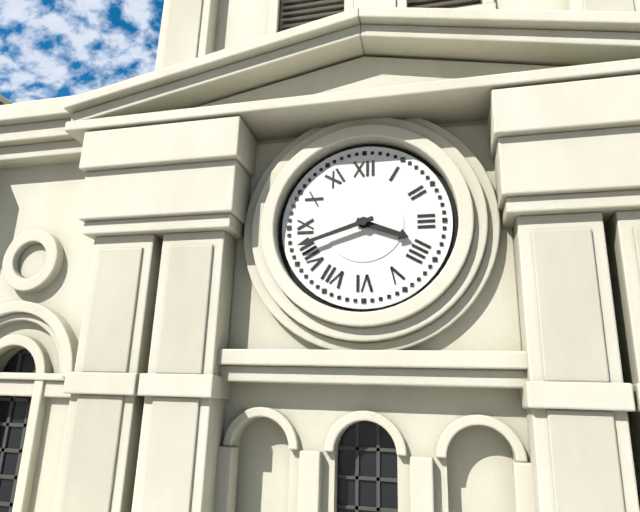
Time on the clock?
3:42
